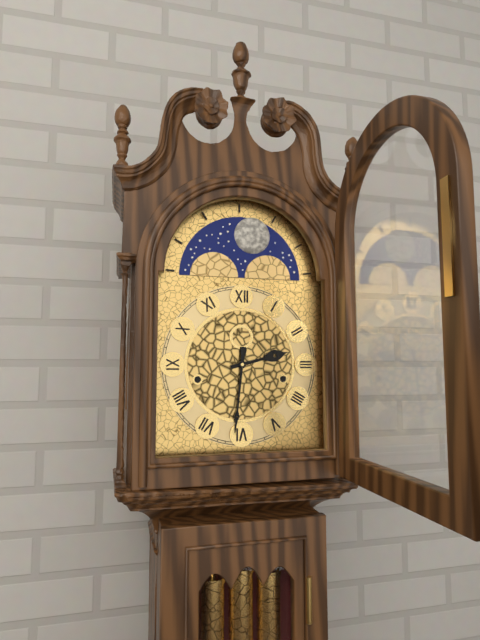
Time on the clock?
2:31
